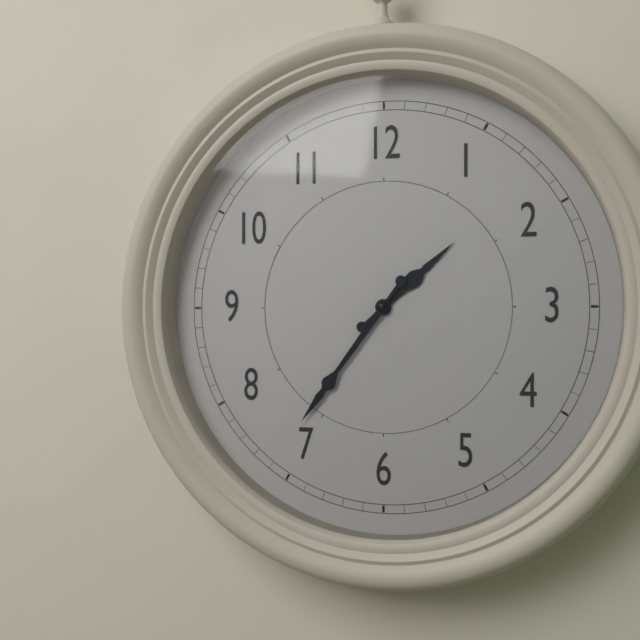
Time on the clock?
1:36
